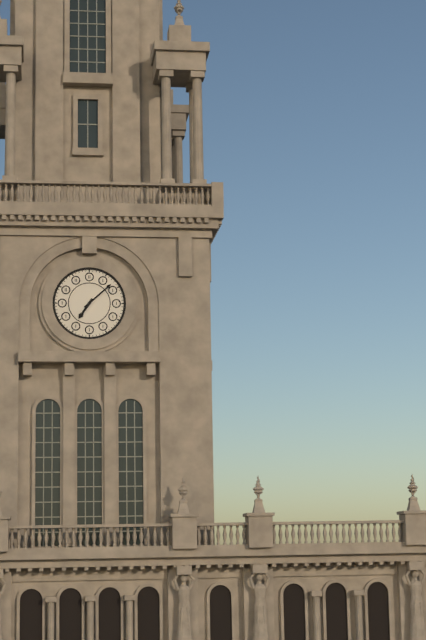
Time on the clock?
7:08
